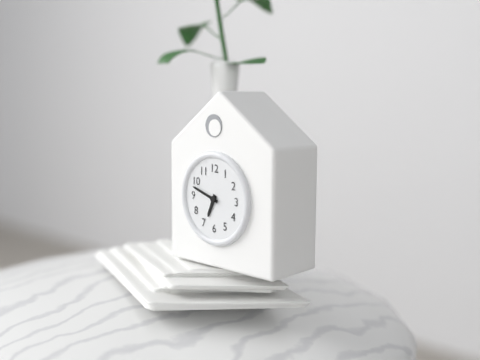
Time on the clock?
6:48
